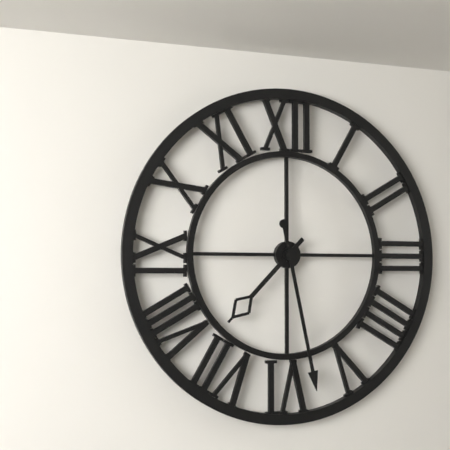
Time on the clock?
7:28
